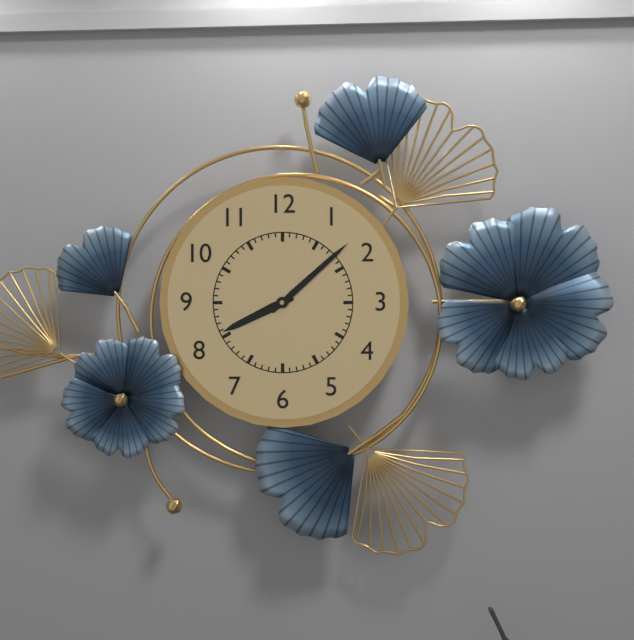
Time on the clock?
8:08
